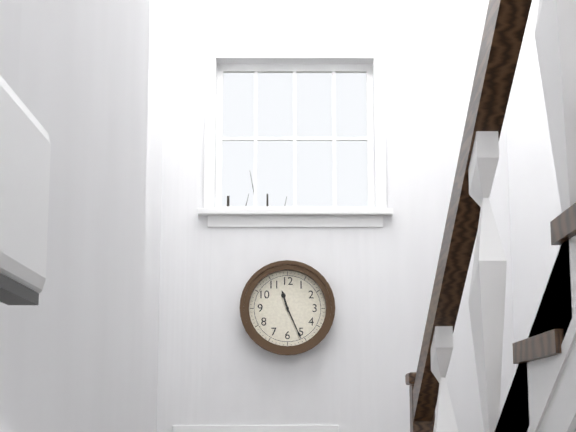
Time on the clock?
11:26
